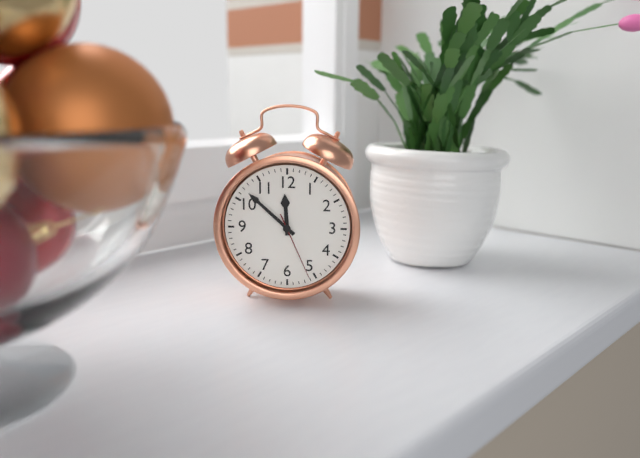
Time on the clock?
11:52:26
